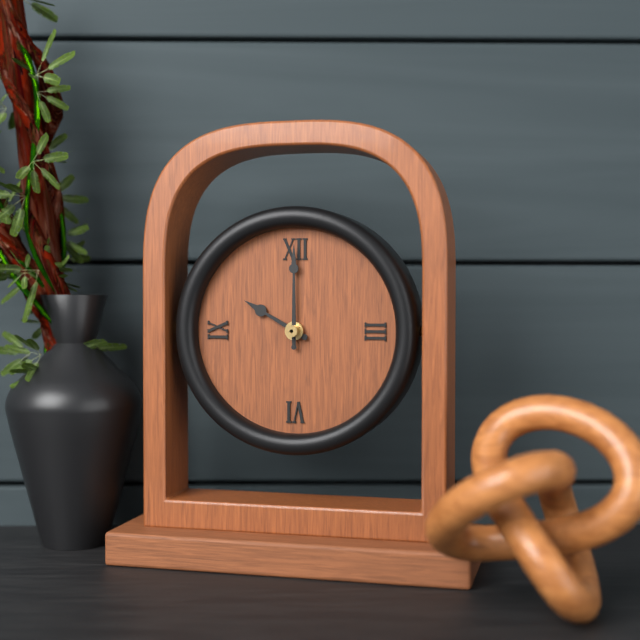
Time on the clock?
10:00
